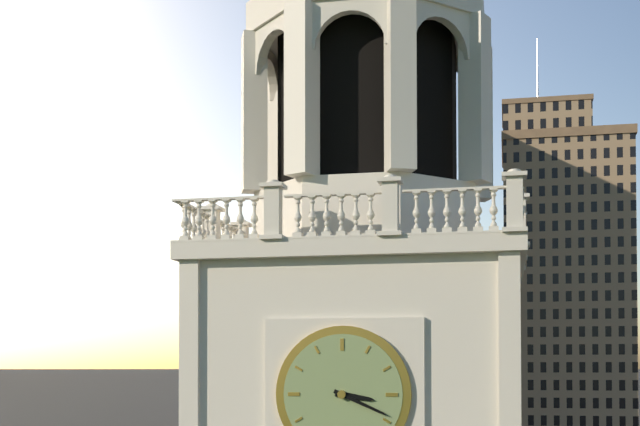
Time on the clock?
3:19
